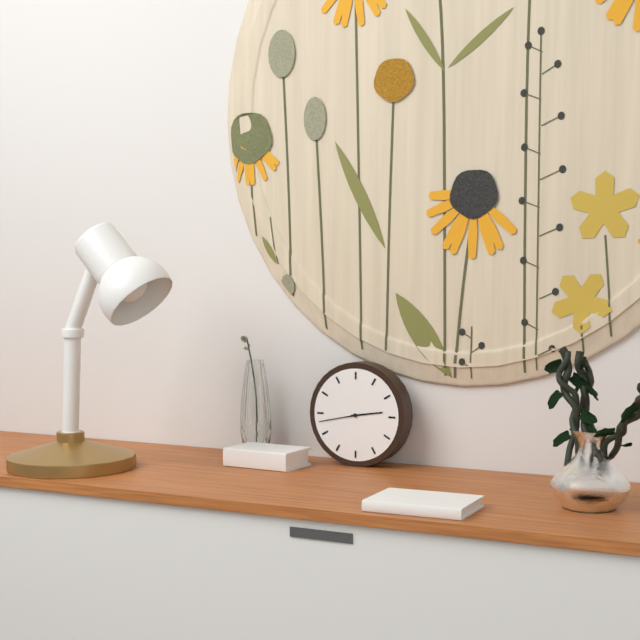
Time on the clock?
2:43
